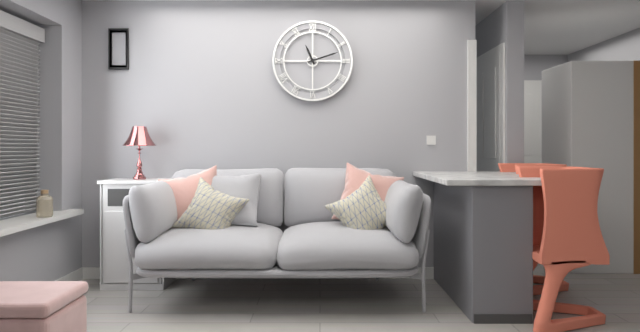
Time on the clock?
11:12
